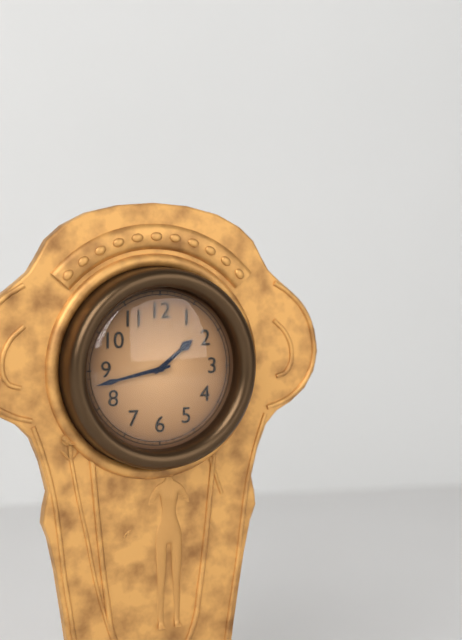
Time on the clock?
1:43
